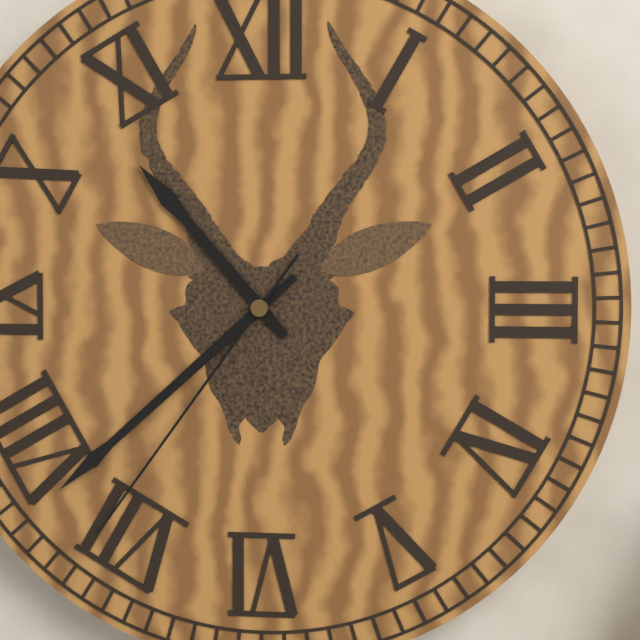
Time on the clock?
10:38:36
